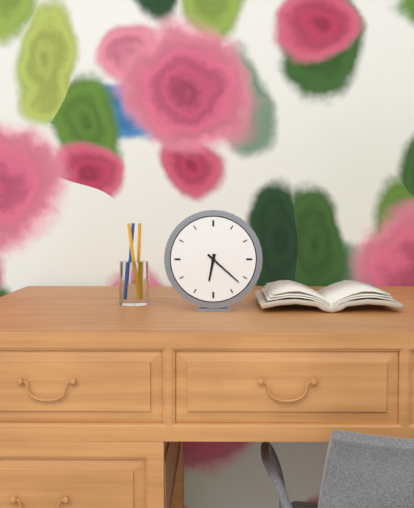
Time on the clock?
6:22
